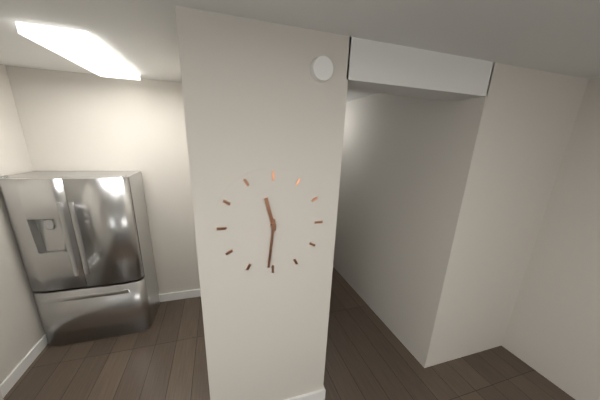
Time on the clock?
11:31
